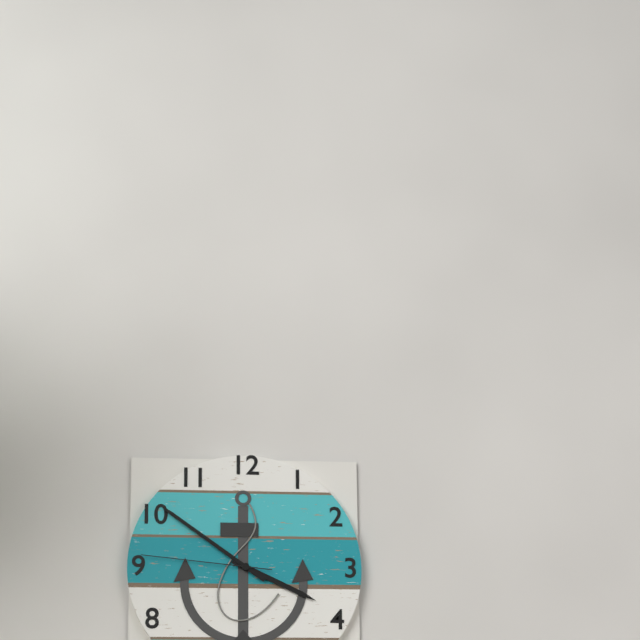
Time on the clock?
3:51:46
